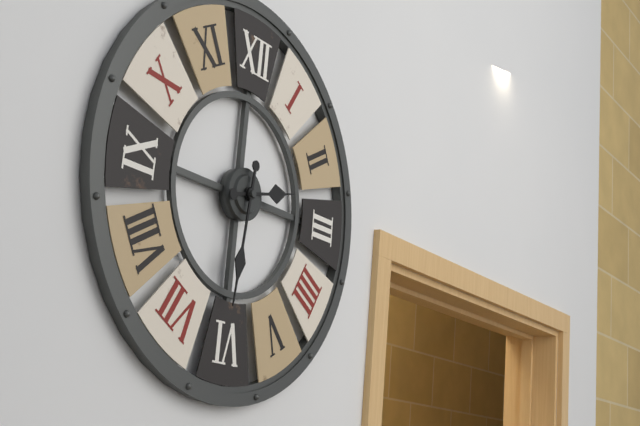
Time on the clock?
2:31
